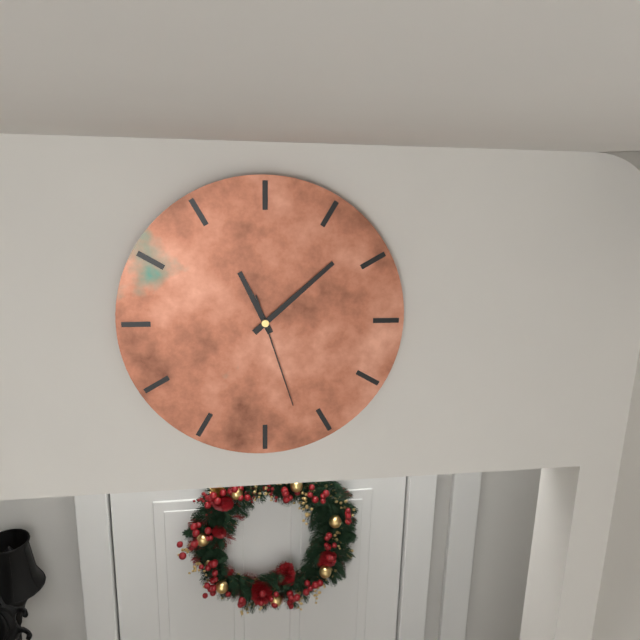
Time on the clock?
11:08:27
